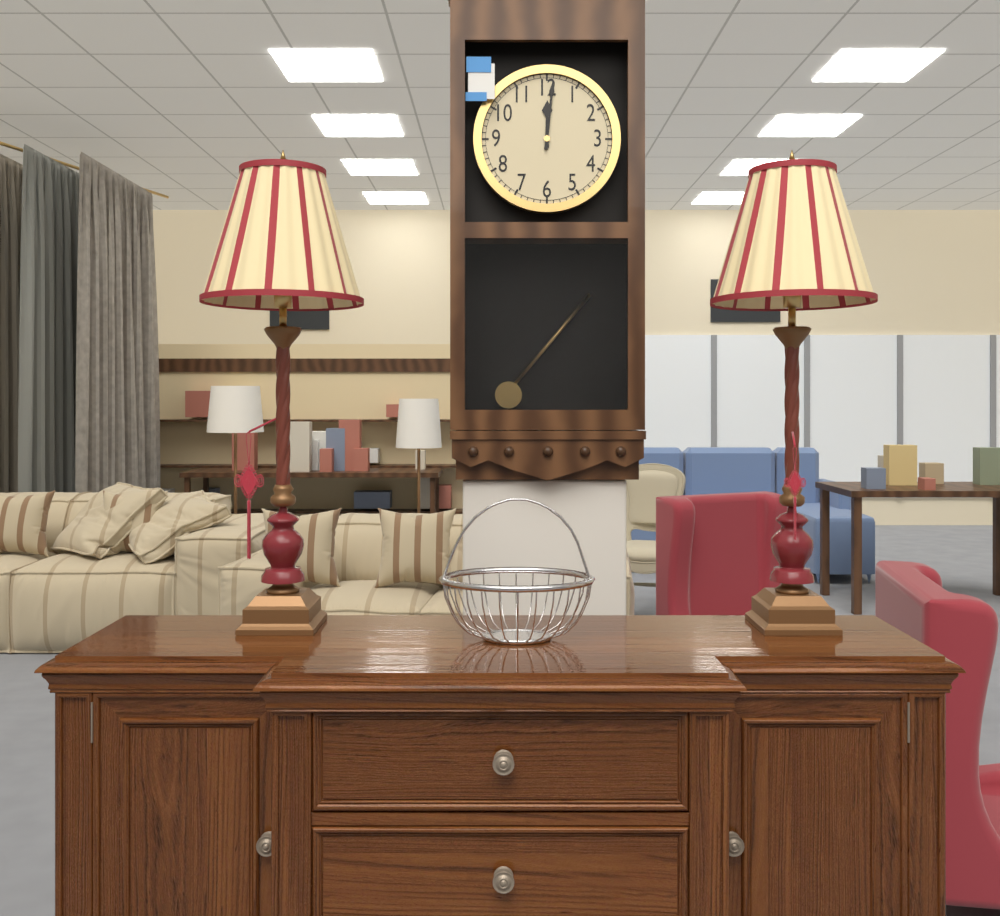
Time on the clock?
12:01
